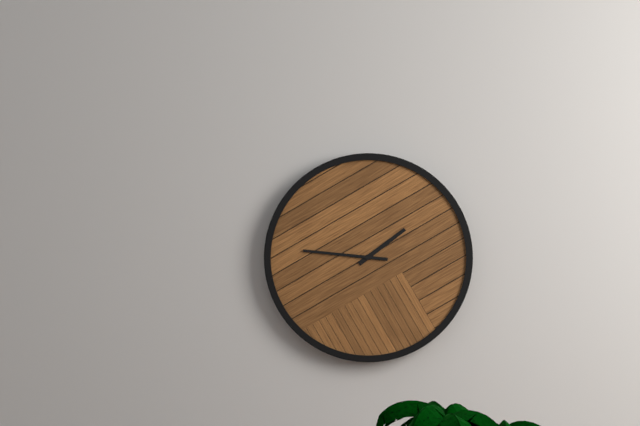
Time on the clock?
1:46
